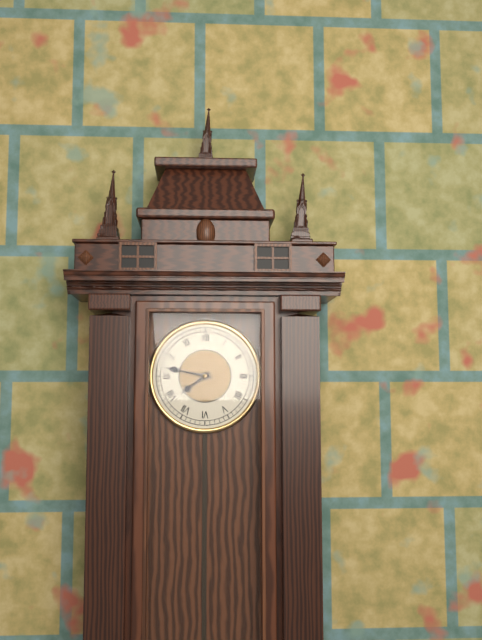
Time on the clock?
7:47
